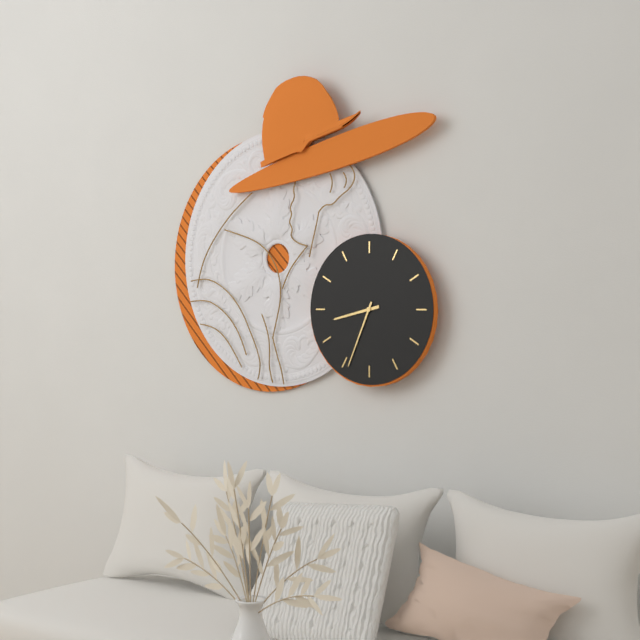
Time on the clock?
8:34
